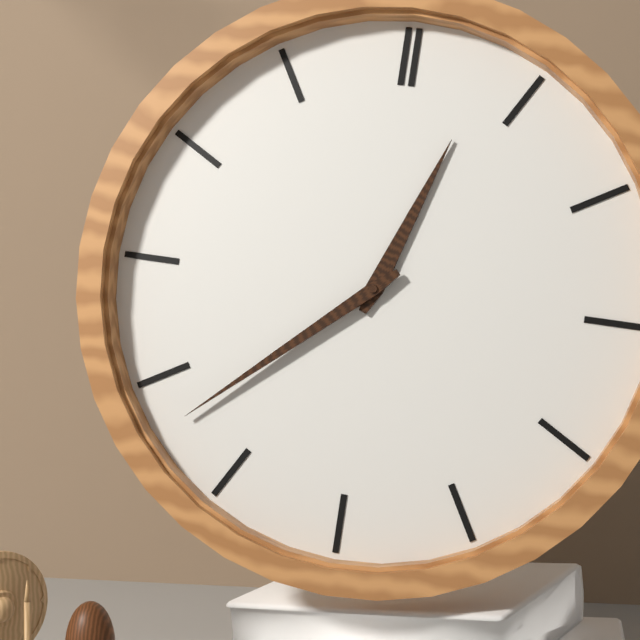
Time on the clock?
12:38
